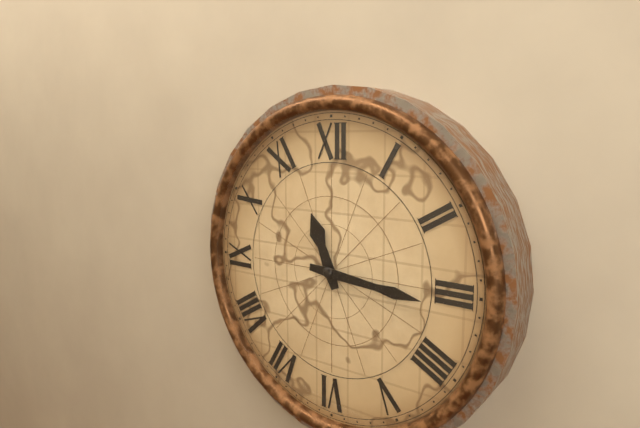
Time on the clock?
11:16
